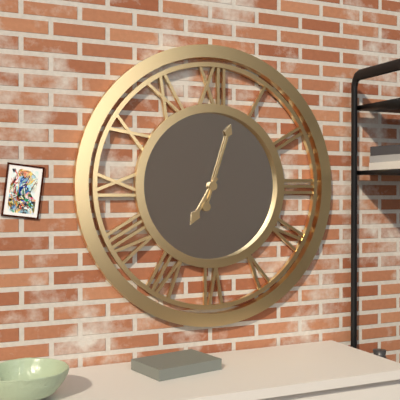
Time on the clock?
7:03
